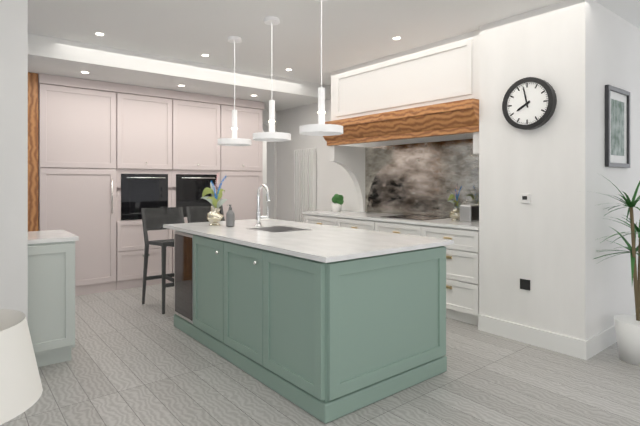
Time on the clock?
7:58
